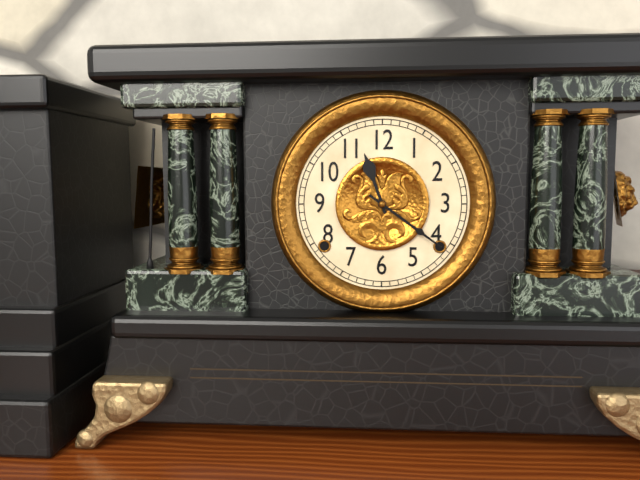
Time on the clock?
11:21
